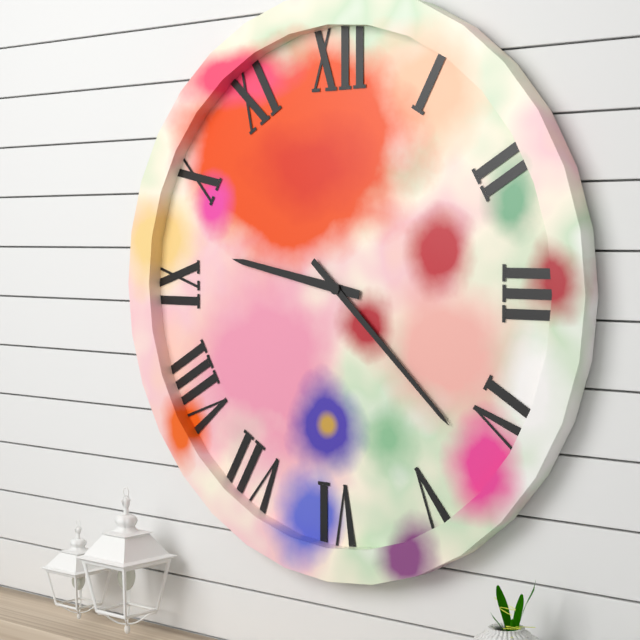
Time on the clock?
9:22
